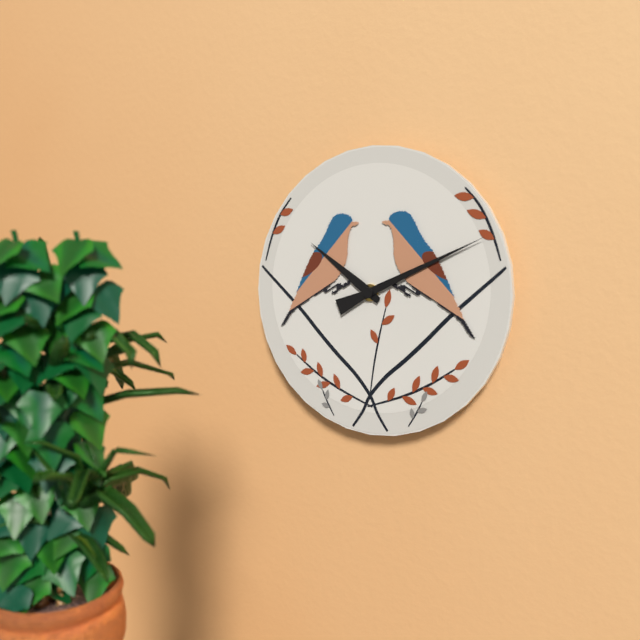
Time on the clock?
10:11
